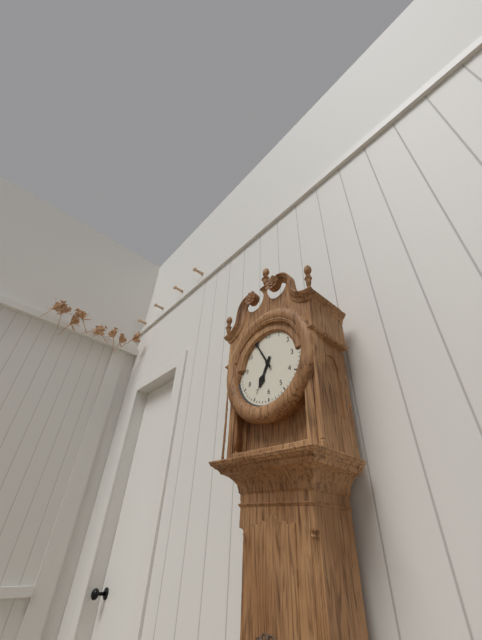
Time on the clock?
6:55
